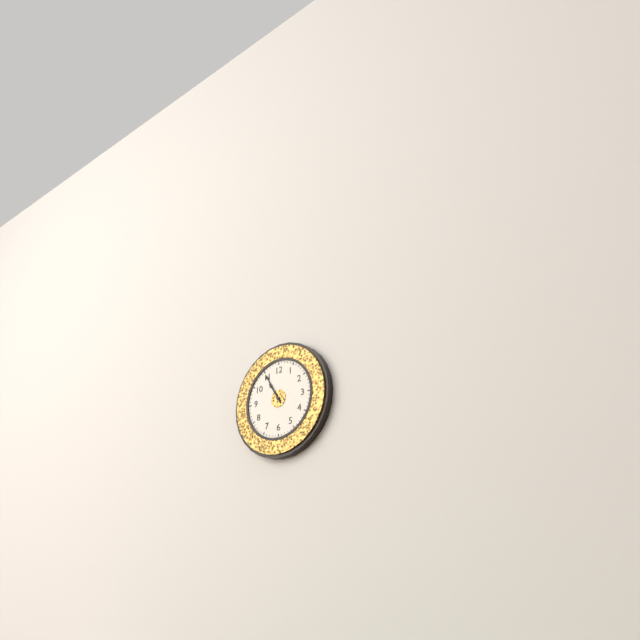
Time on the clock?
10:55
